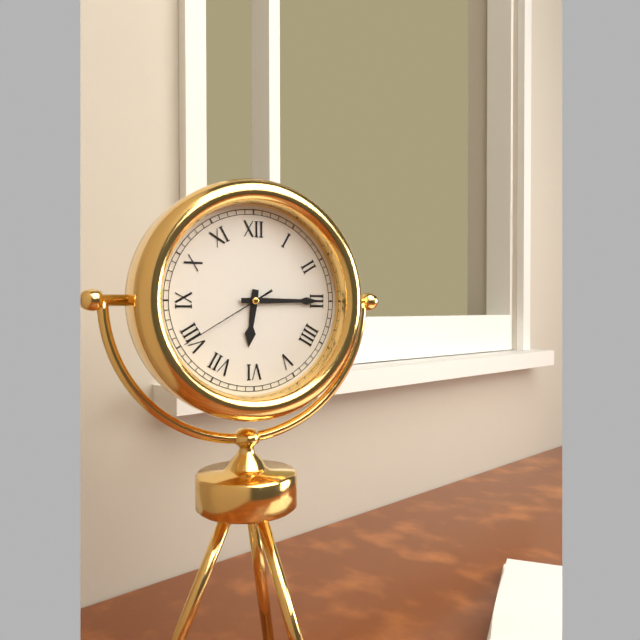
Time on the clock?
6:15:40
